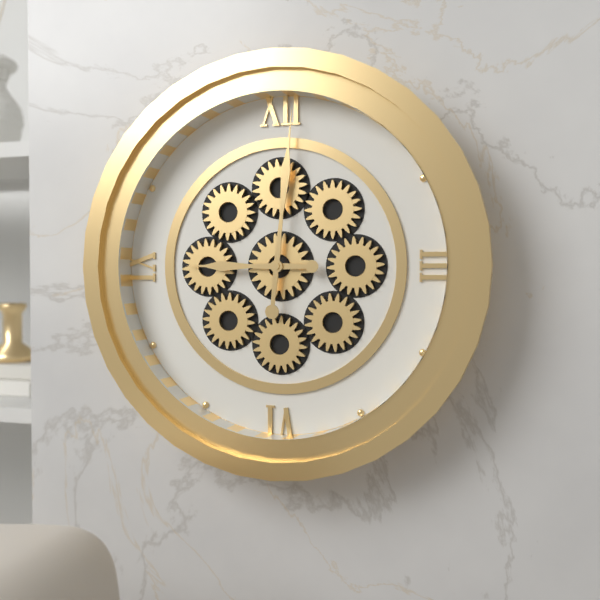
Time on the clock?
9:01
